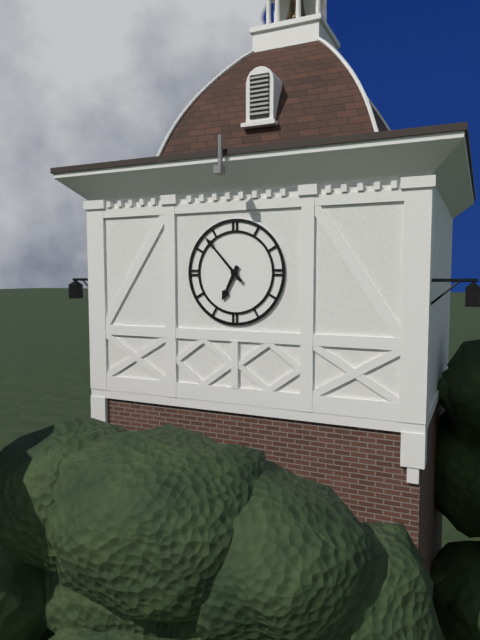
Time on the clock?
6:53
